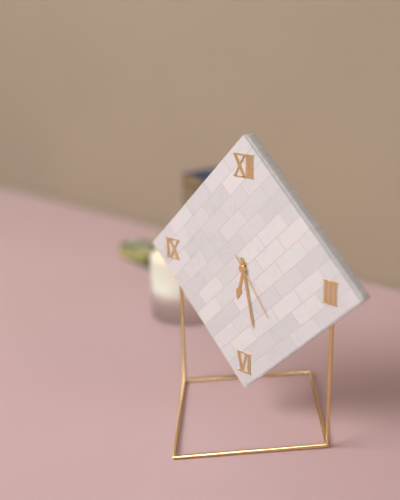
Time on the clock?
6:28:24
